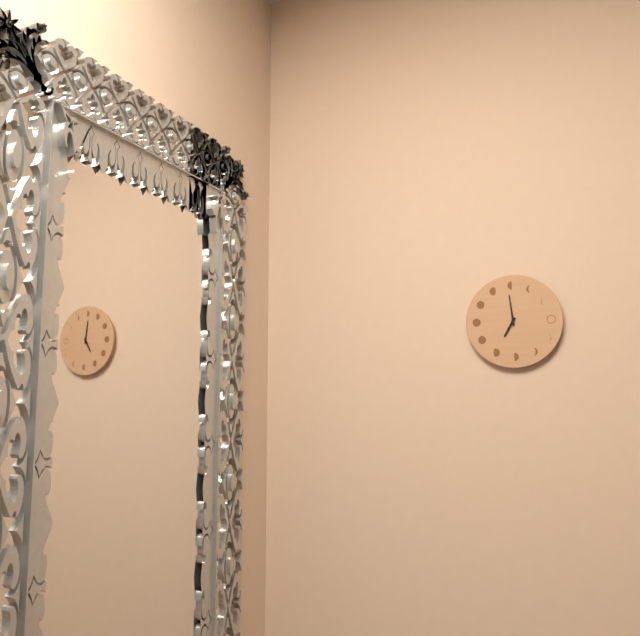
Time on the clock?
6:59
